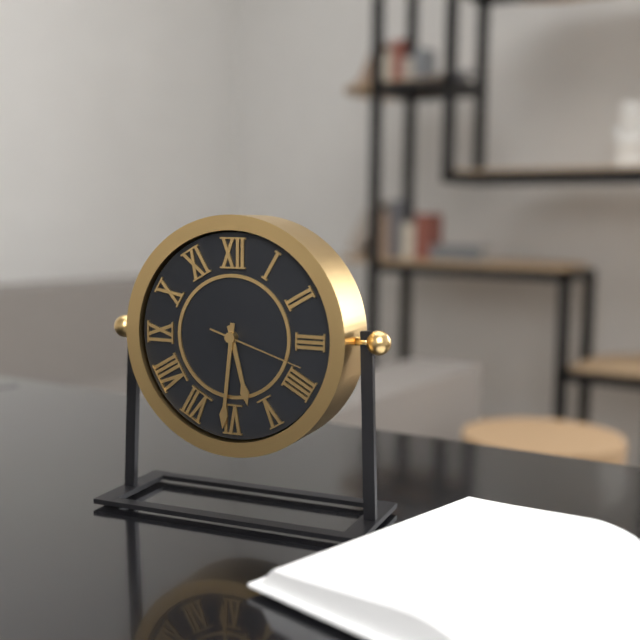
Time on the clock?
5:31:18
